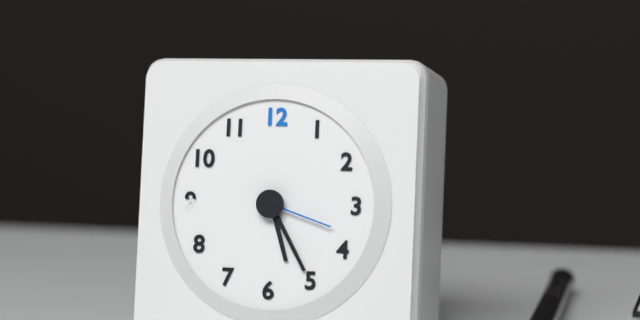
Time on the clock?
5:25:18
